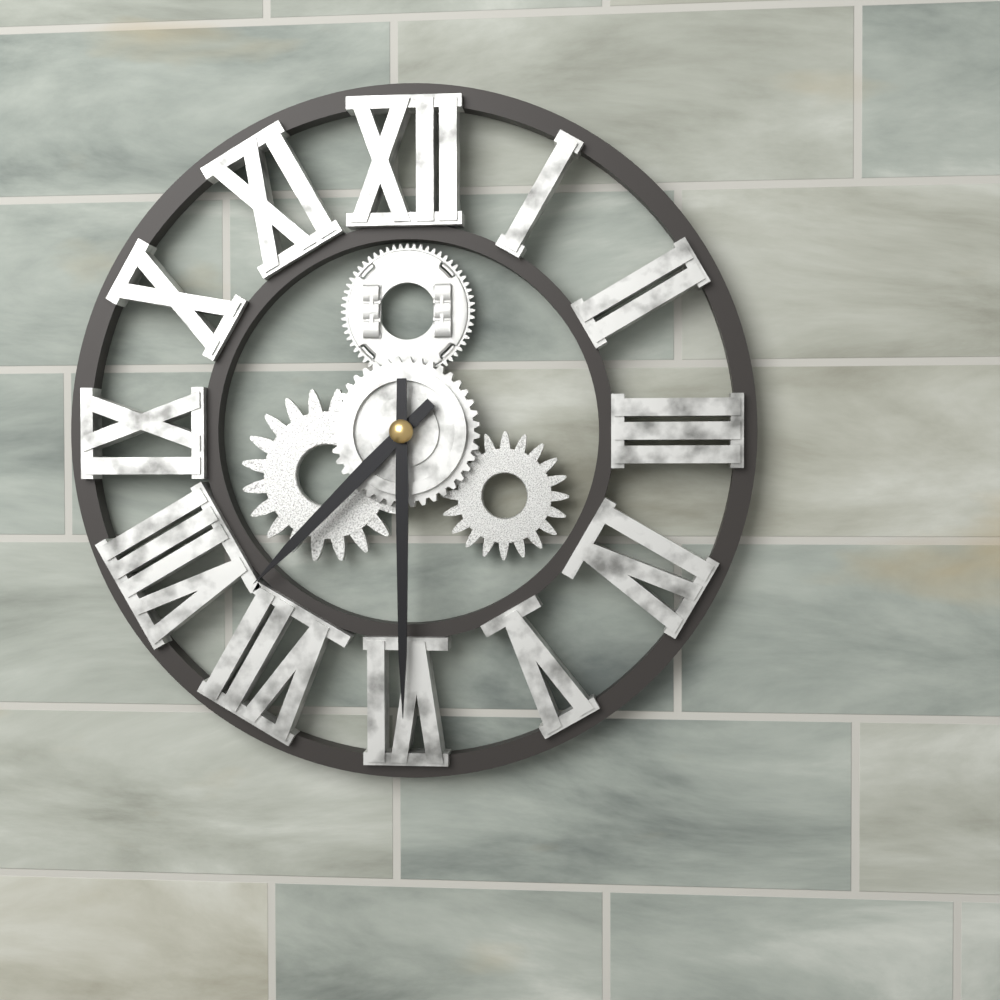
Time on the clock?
7:30
